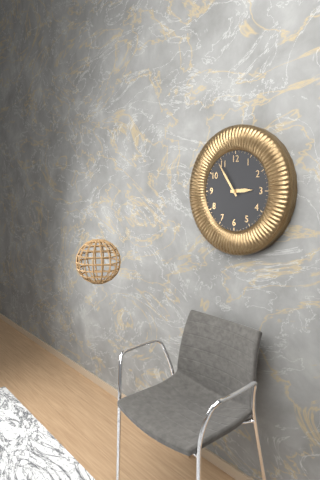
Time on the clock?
2:54
